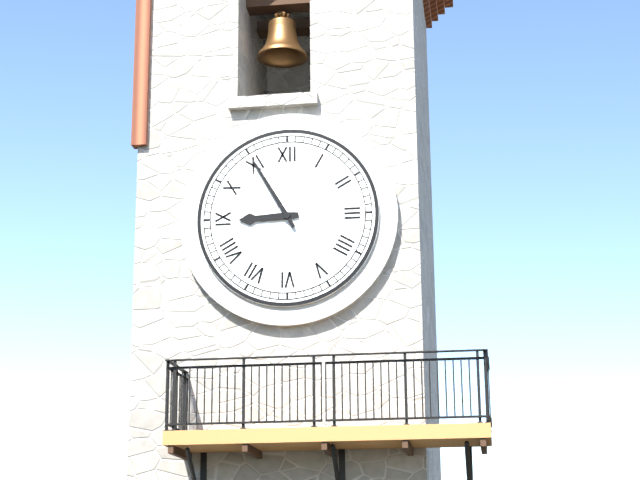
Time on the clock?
8:55
